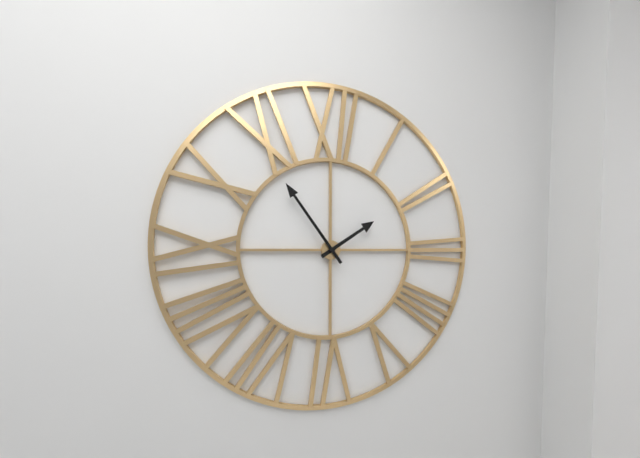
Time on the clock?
1:54
